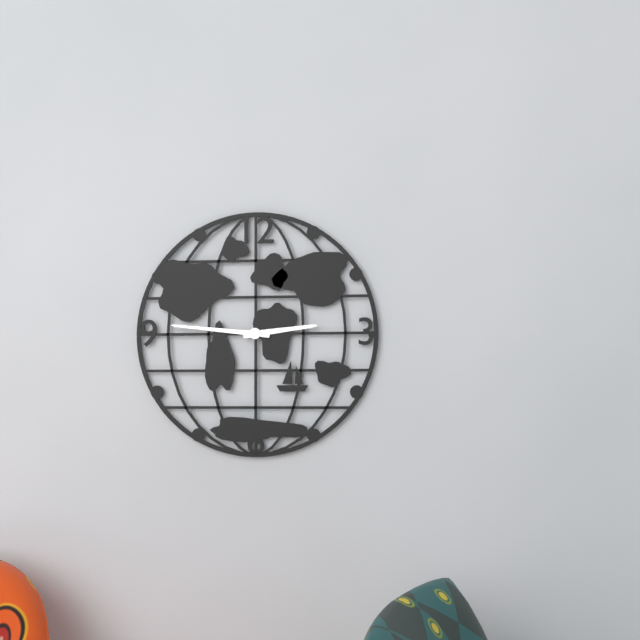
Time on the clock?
2:46
